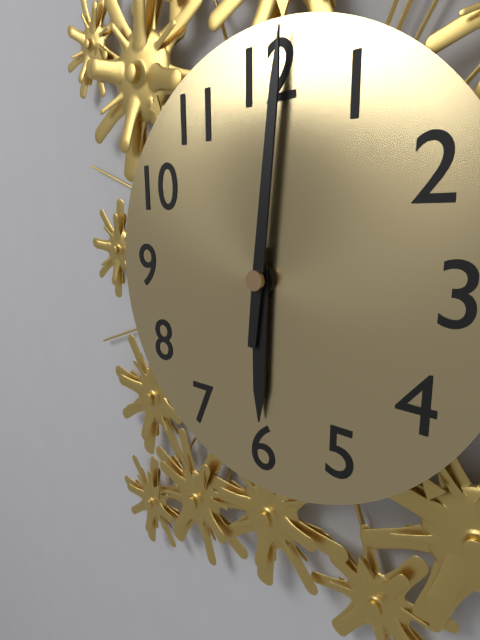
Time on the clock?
6:01
